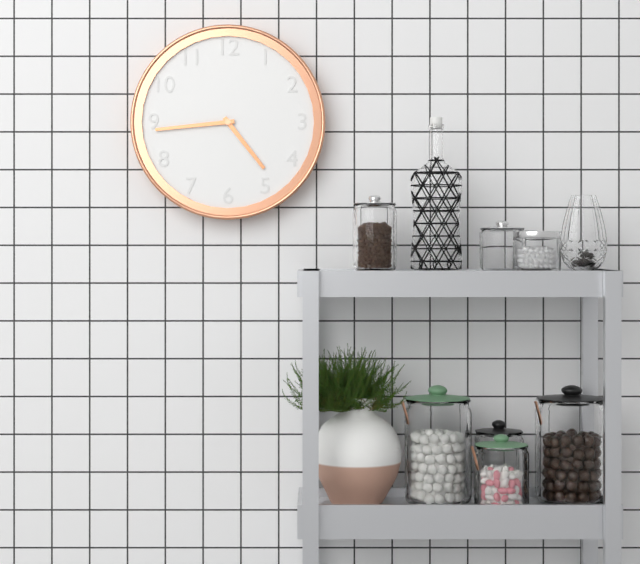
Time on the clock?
4:44
